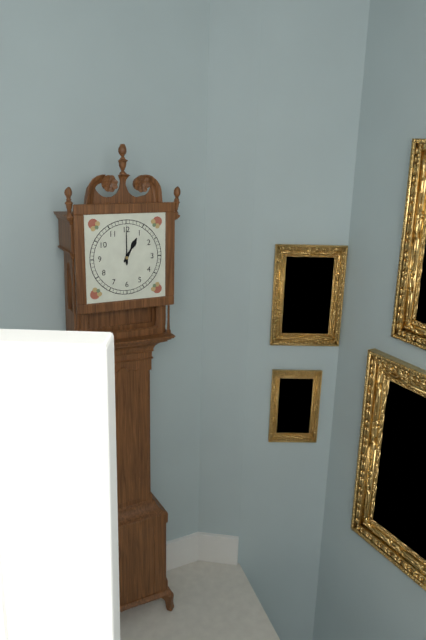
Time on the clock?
1:00
